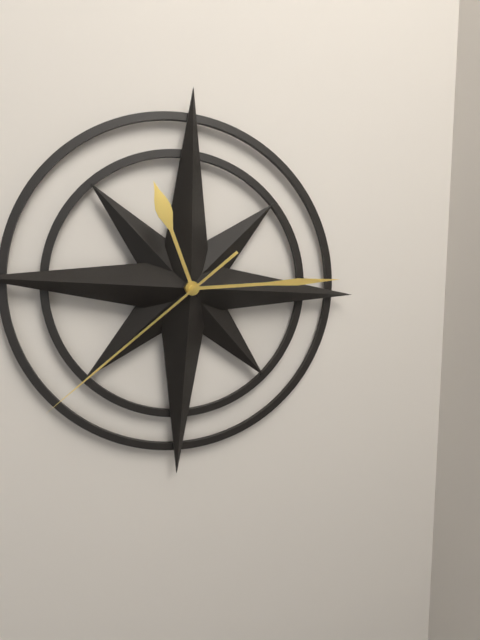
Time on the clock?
11:14:38
